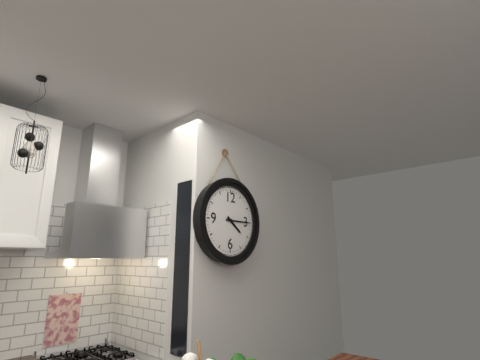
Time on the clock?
4:15
